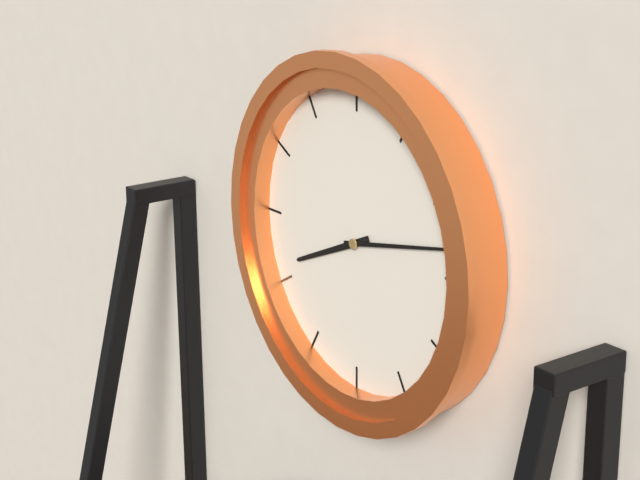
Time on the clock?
8:13
